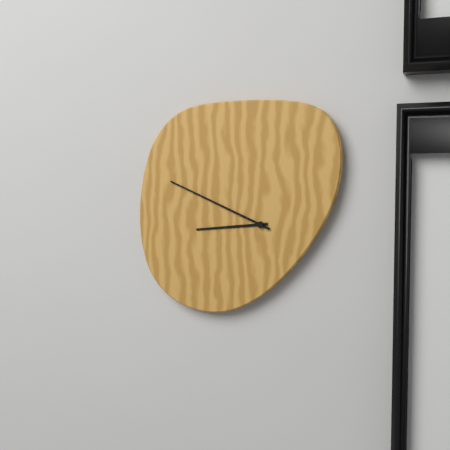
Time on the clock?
8:49
